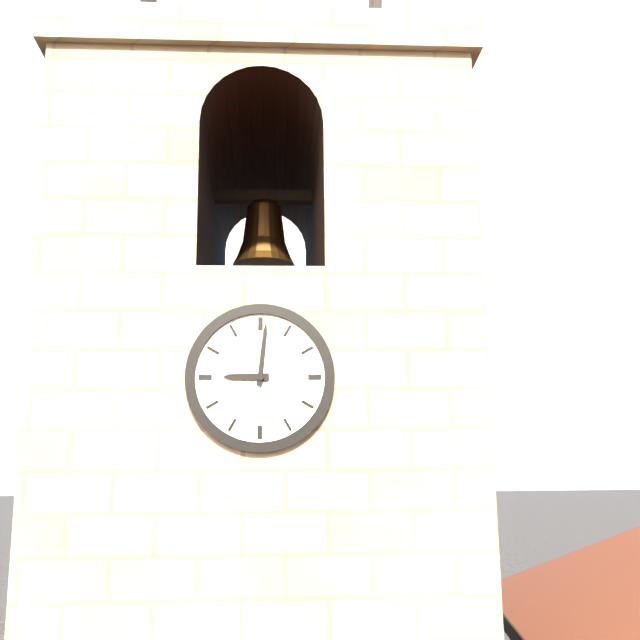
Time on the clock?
9:01
